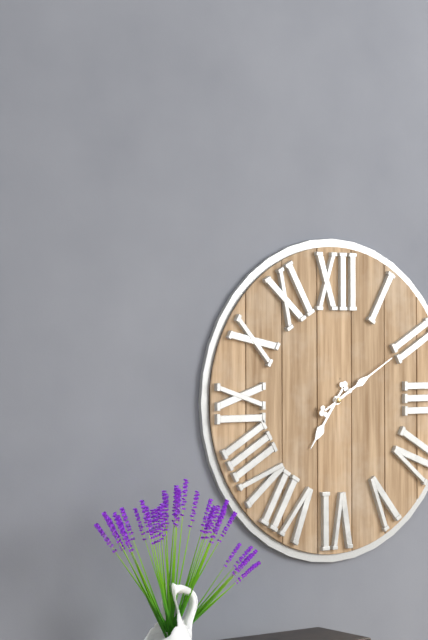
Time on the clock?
7:10
